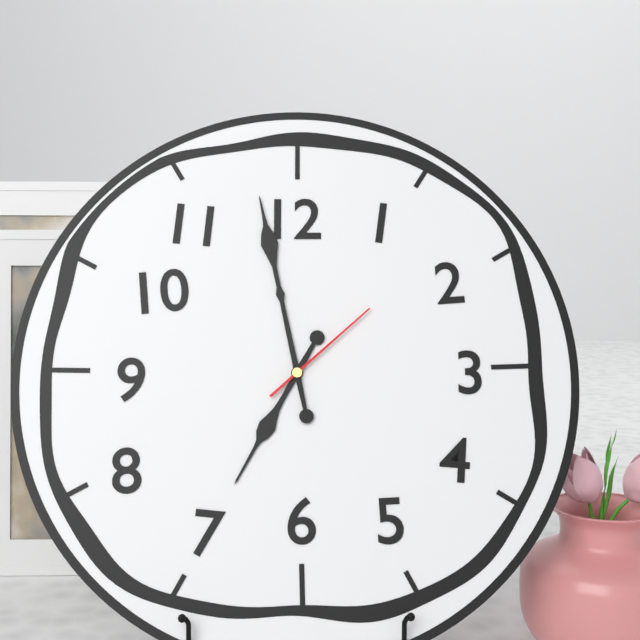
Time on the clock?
6:58:08
